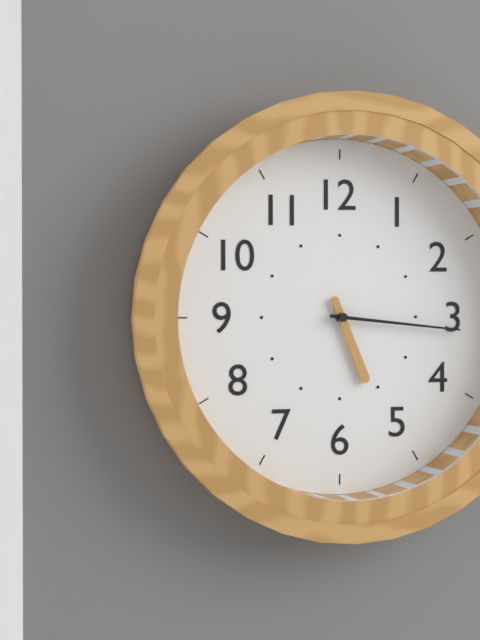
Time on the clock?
5:16
